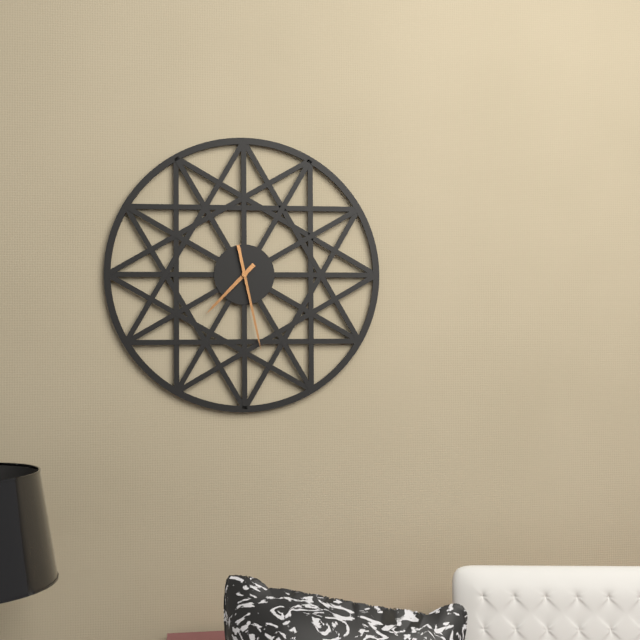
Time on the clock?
7:28
